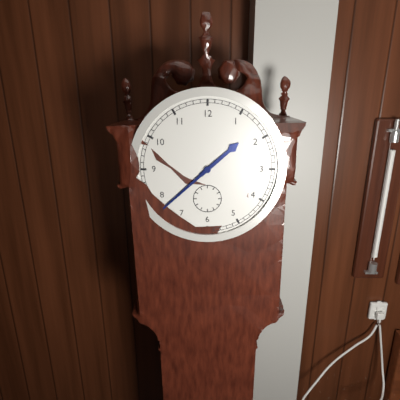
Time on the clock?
1:38
